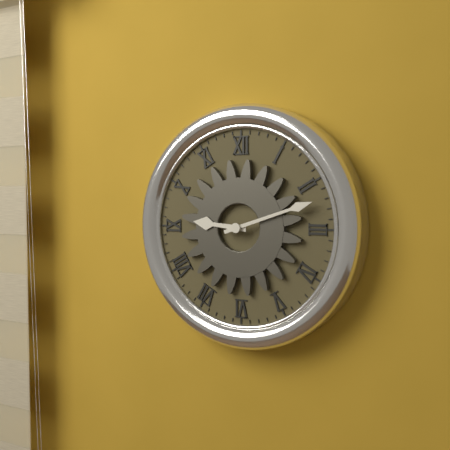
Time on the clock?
9:12
